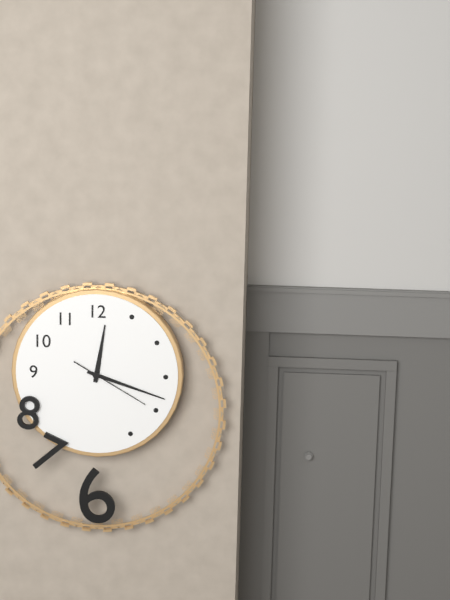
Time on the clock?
12:18:20
